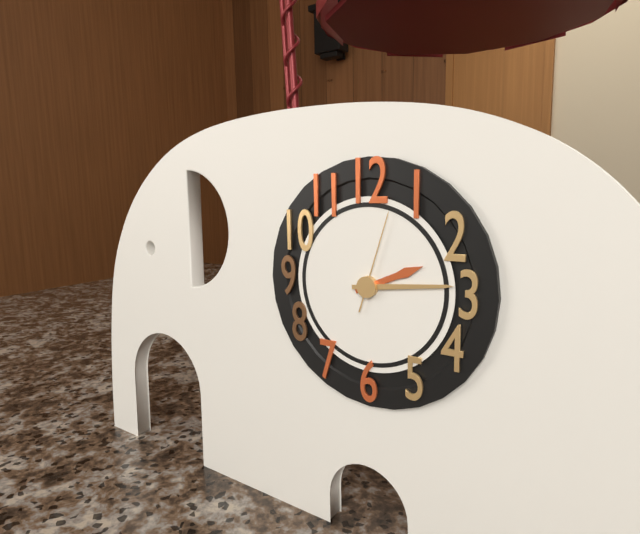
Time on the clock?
2:14:03
